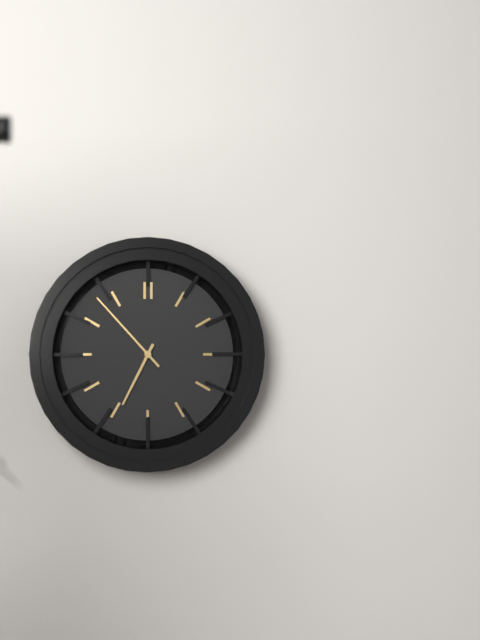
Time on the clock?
6:53
